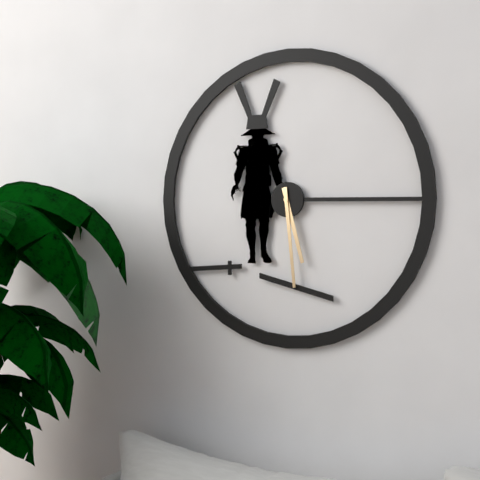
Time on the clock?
5:29
